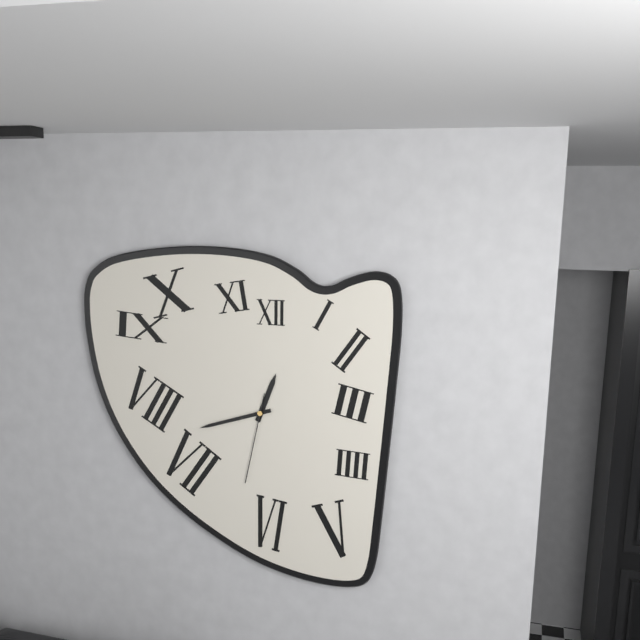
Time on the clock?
12:42:32
